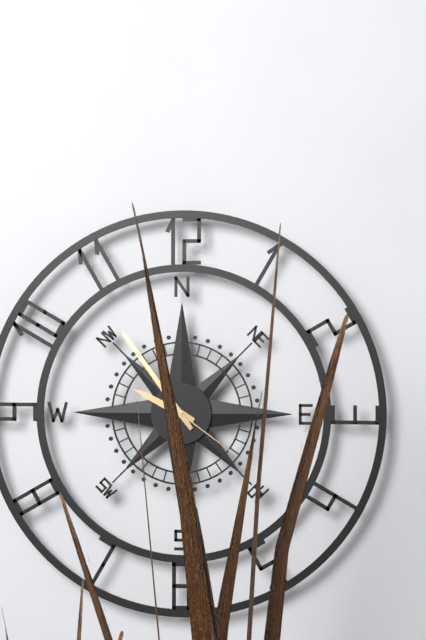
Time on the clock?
9:54:21
